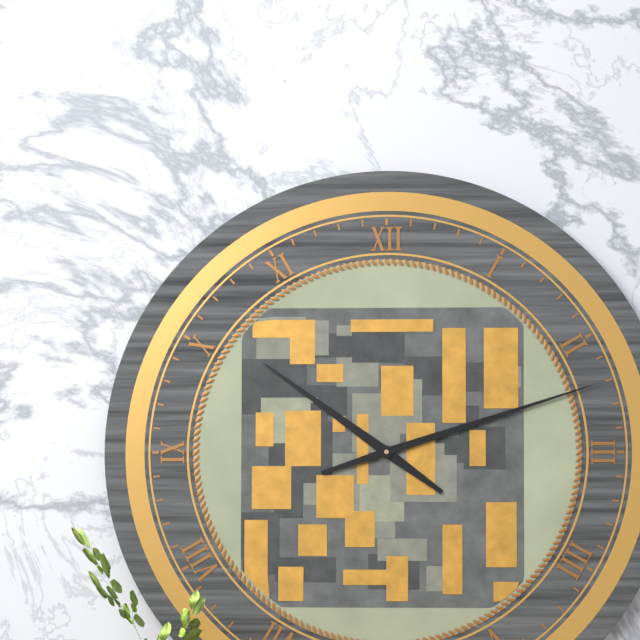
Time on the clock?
10:12
